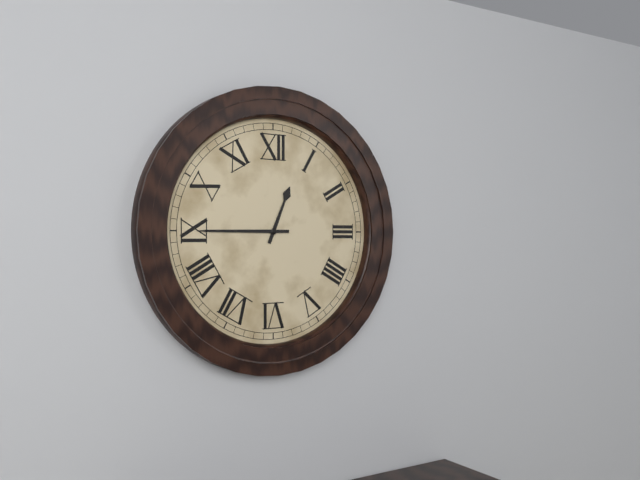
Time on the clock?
12:45
